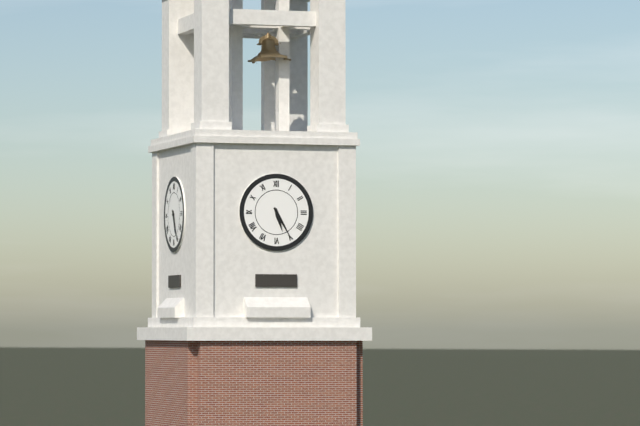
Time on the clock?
5:25
